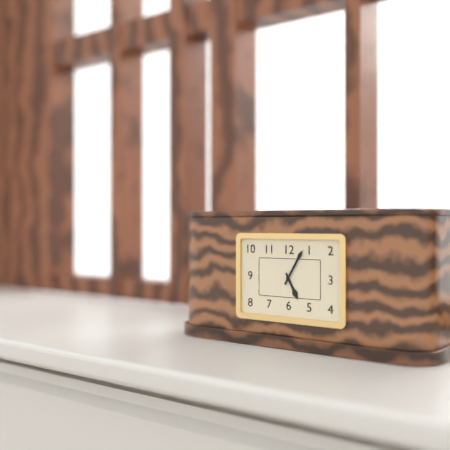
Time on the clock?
5:05
